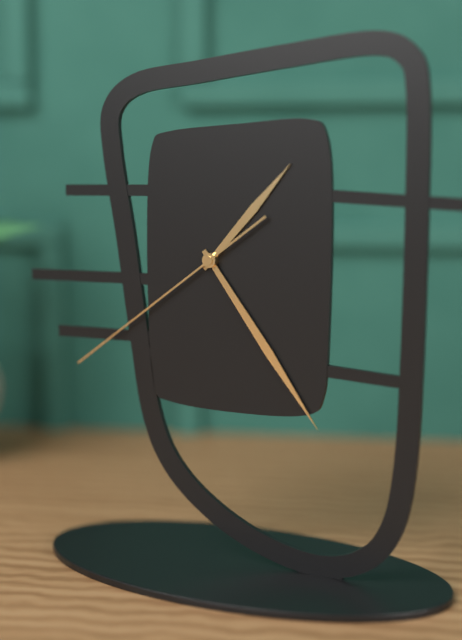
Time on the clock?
1:24:39
